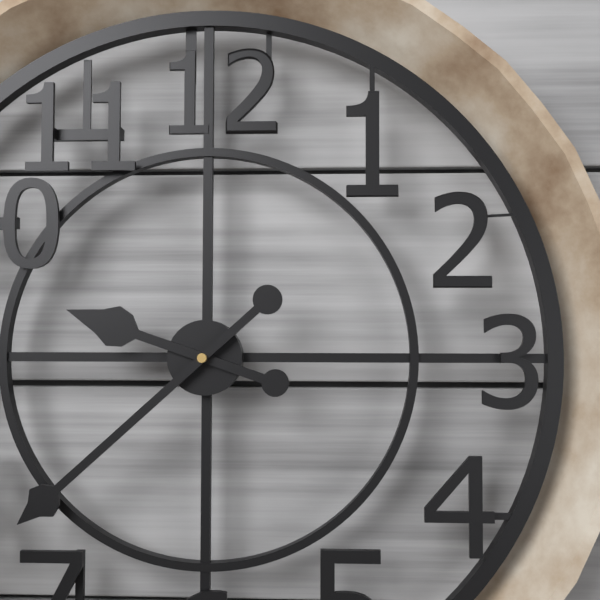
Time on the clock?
9:38
